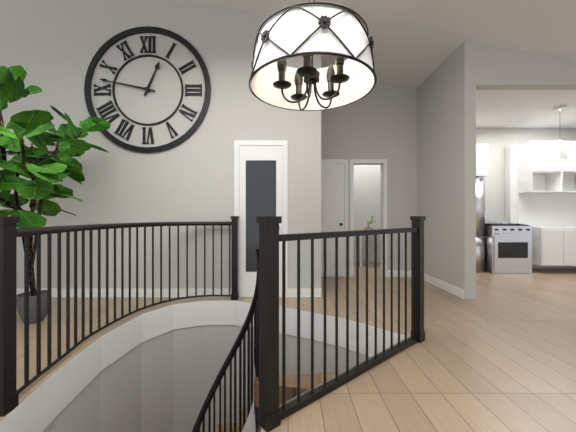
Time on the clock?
12:47
